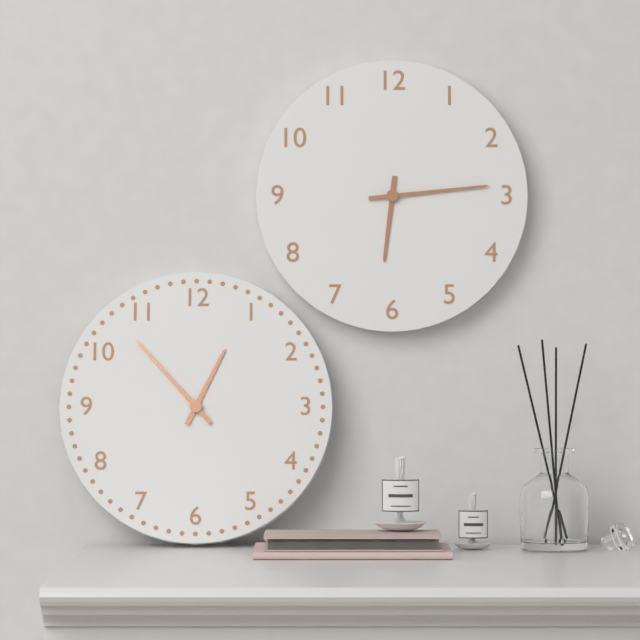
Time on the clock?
6:14
